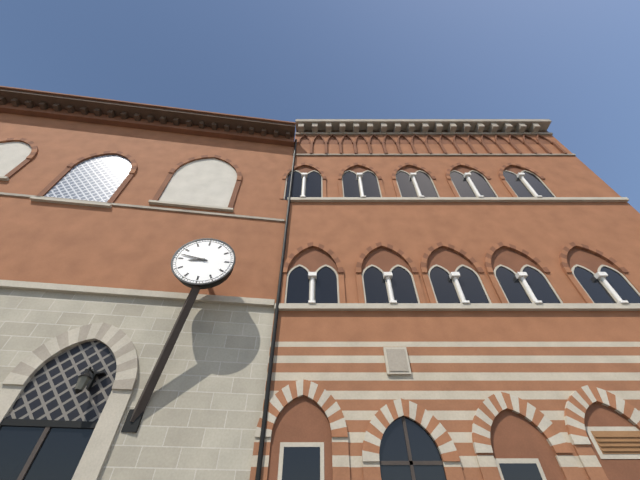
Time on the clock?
8:47
